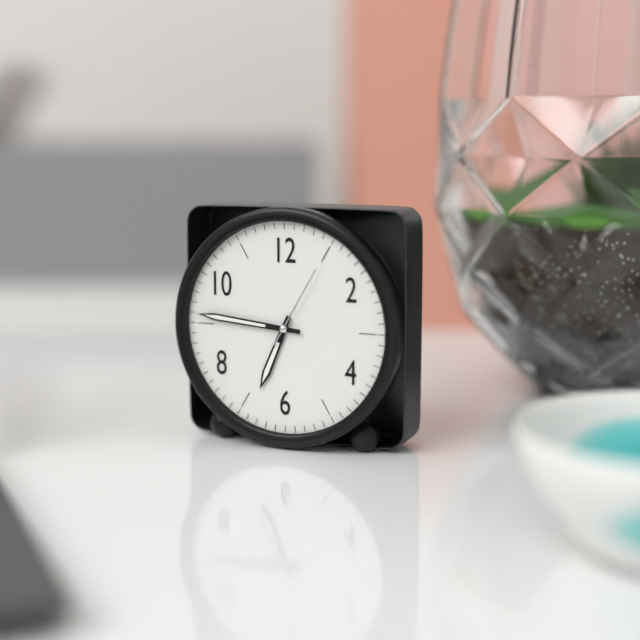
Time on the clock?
6:46:05
